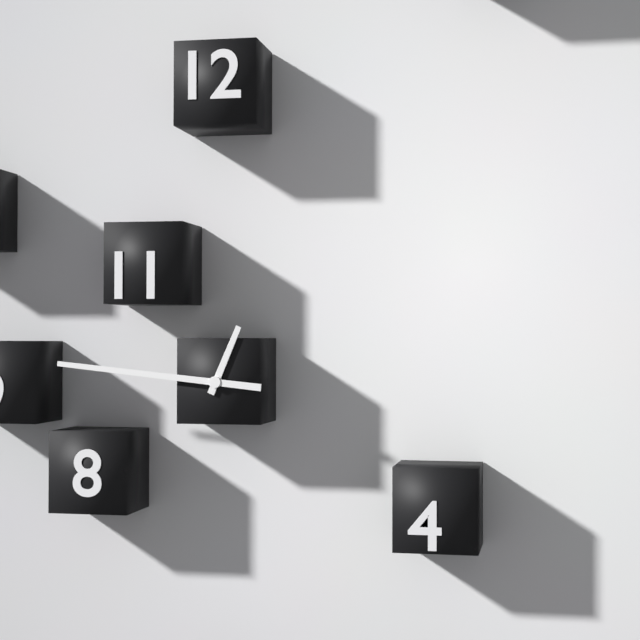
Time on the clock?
12:46
